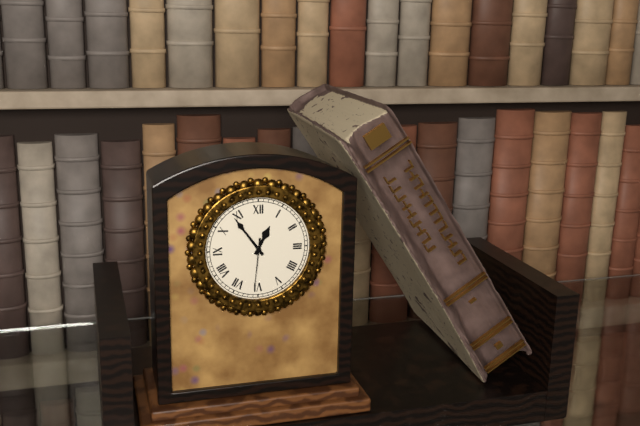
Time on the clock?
12:54:31
